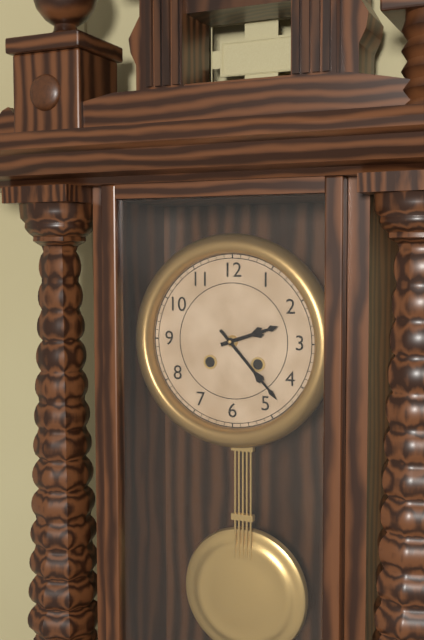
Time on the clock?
2:23
